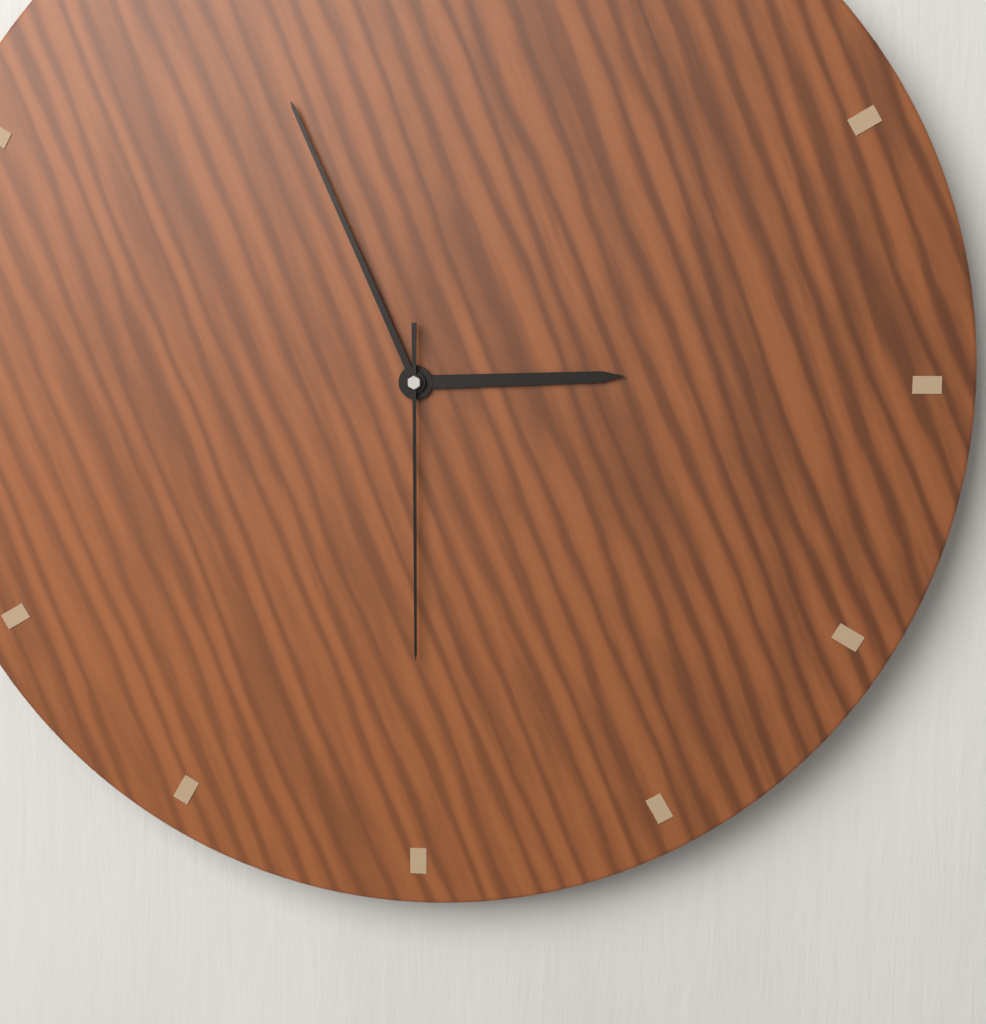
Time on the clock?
2:56:30
